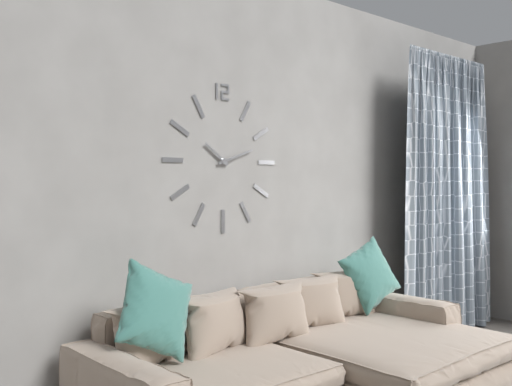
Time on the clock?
10:12
